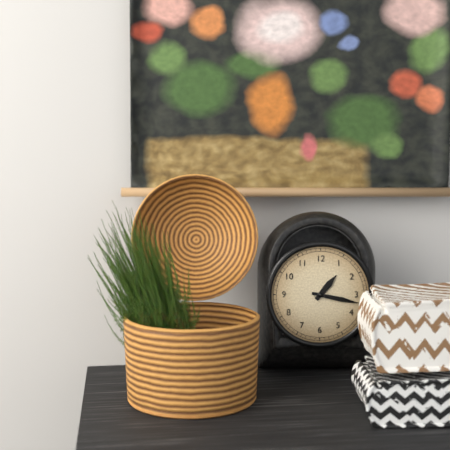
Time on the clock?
1:17
